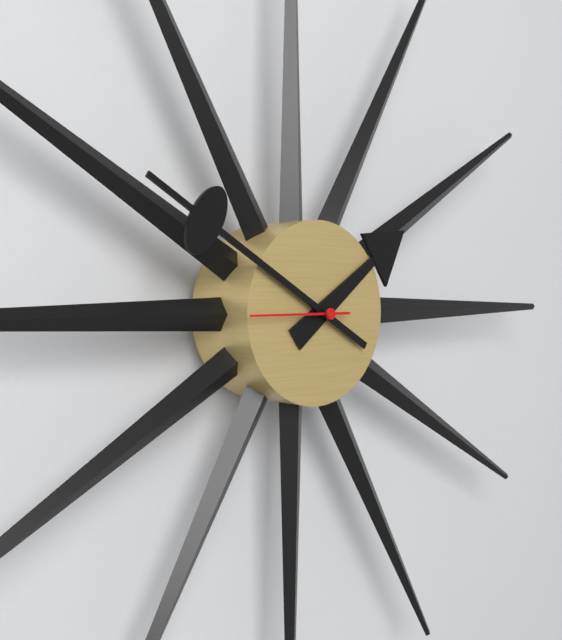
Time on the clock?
1:50
